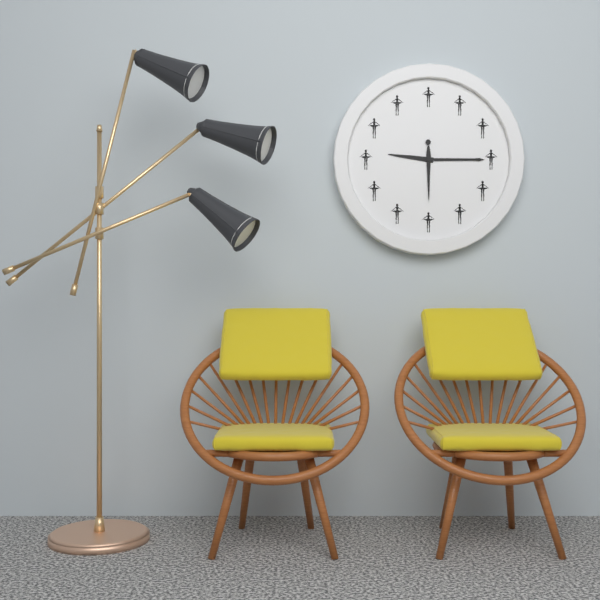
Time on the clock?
9:15
